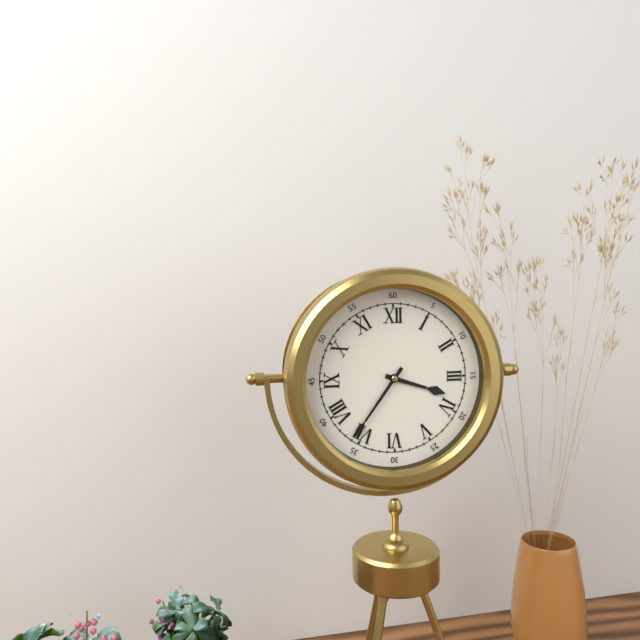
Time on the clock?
3:36
